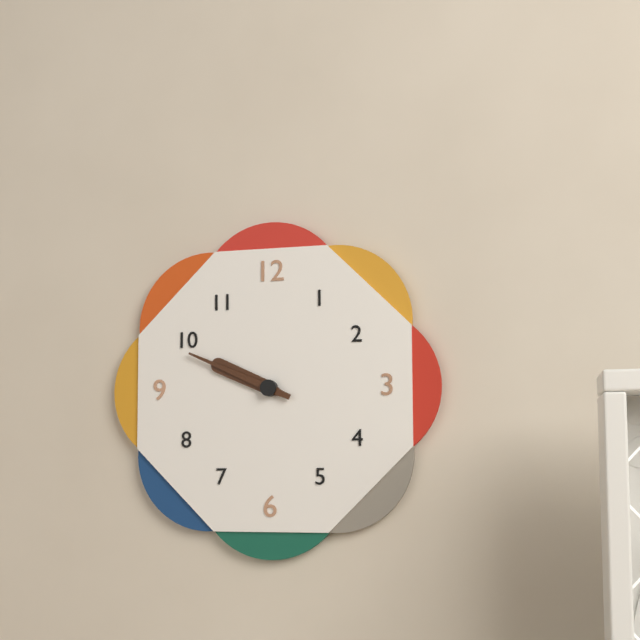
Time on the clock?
9:49
